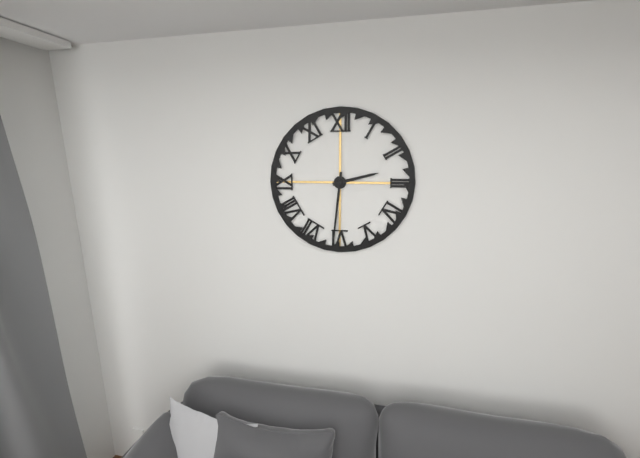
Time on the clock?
2:31
